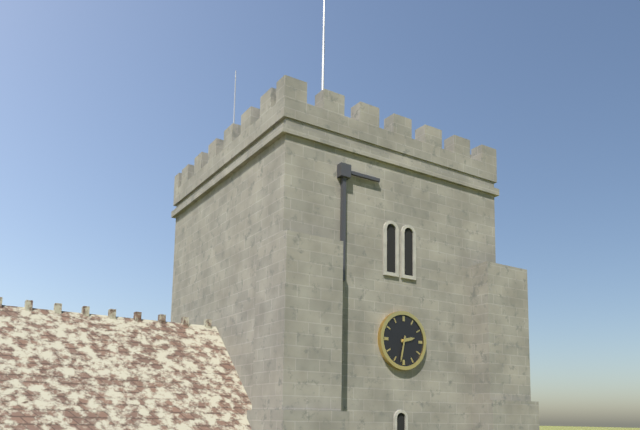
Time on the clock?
2:32
